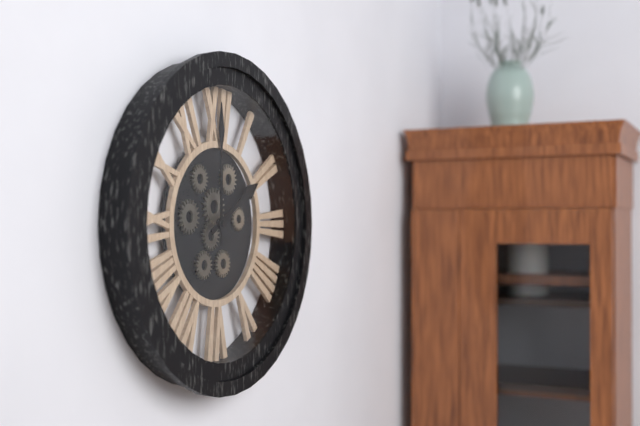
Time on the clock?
2:00
